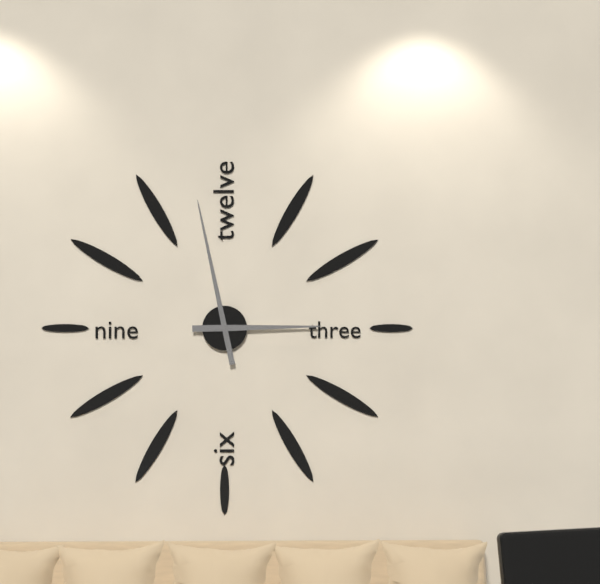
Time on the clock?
2:58
